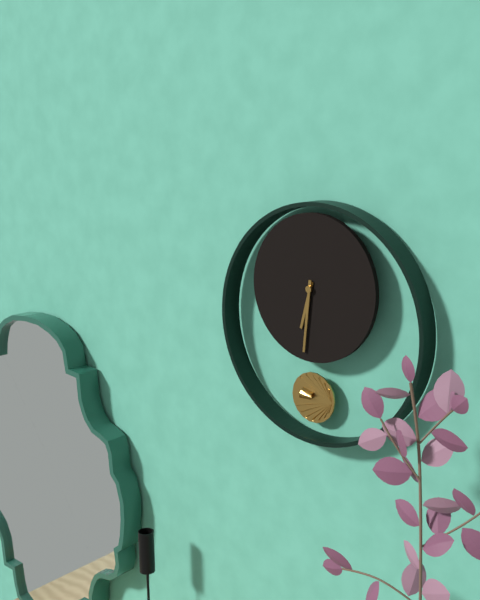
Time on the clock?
6:31
